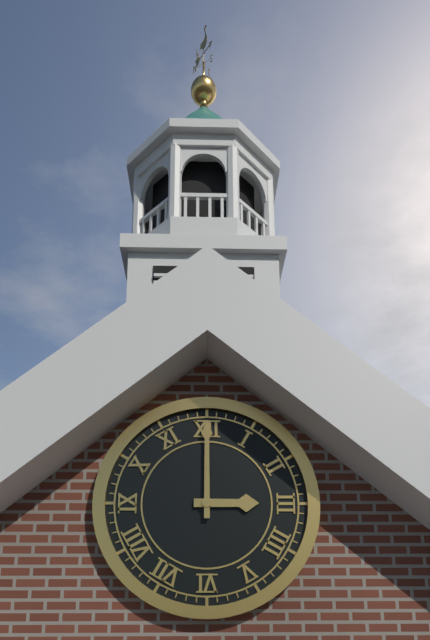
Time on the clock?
3:00
